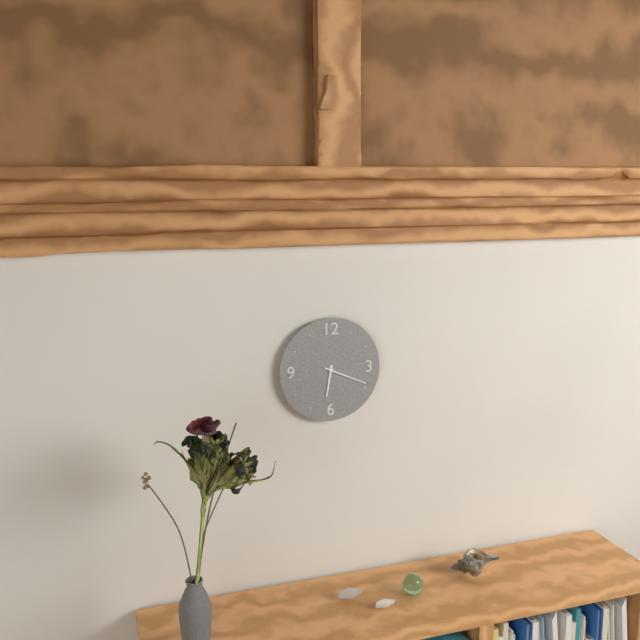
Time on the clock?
6:19
